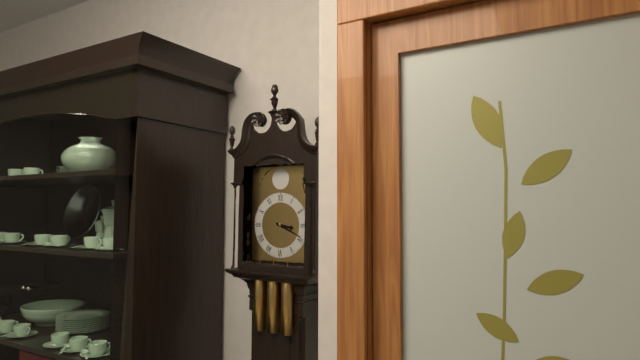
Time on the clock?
3:19
